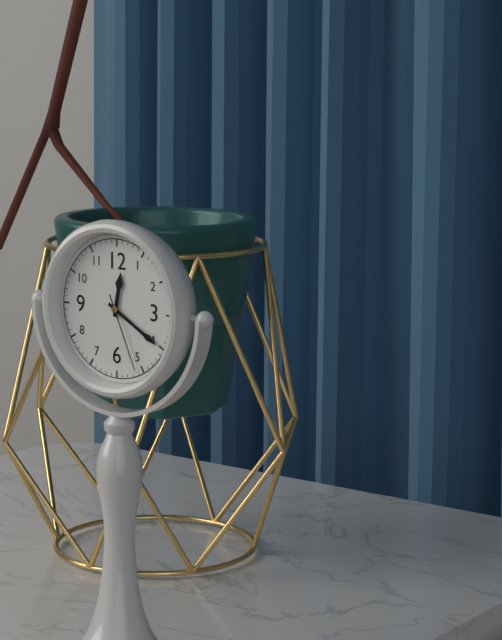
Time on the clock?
12:20:26
